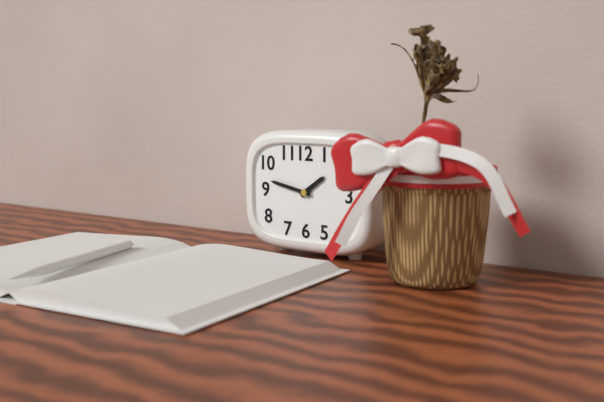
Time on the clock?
1:47
